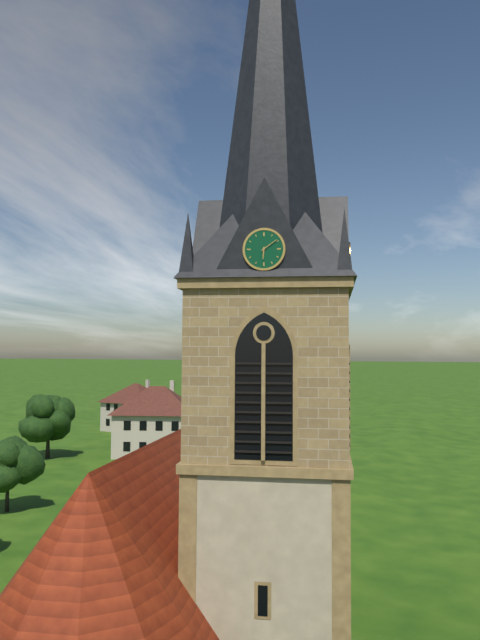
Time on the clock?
6:09
